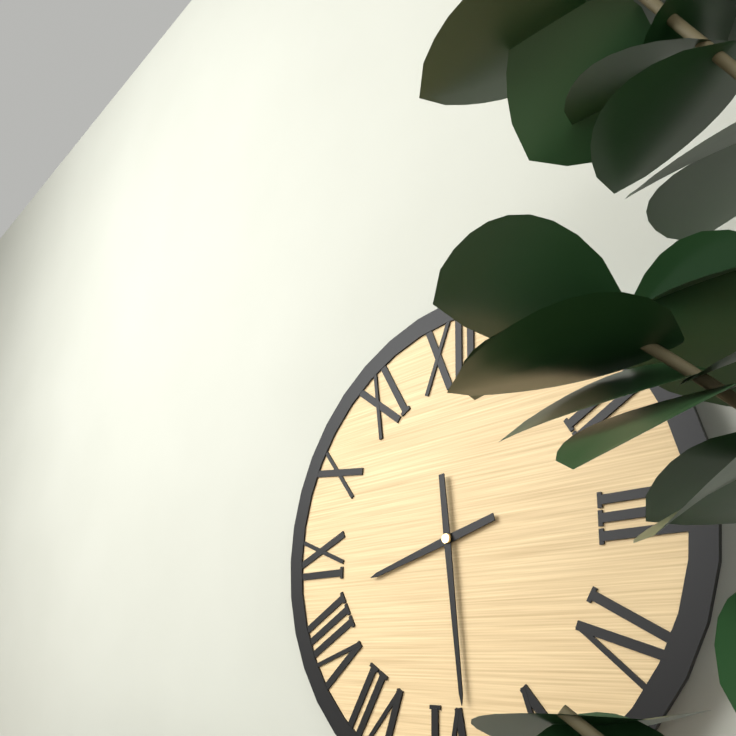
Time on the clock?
8:29
